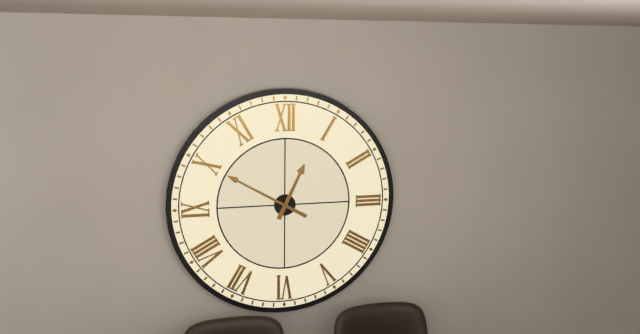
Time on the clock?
12:50
